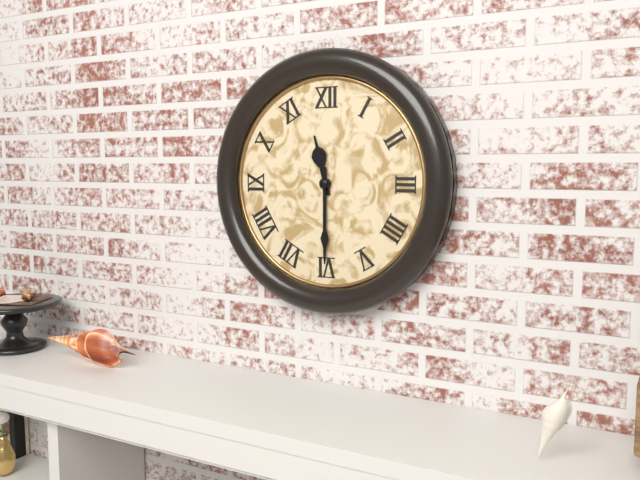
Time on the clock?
11:30
